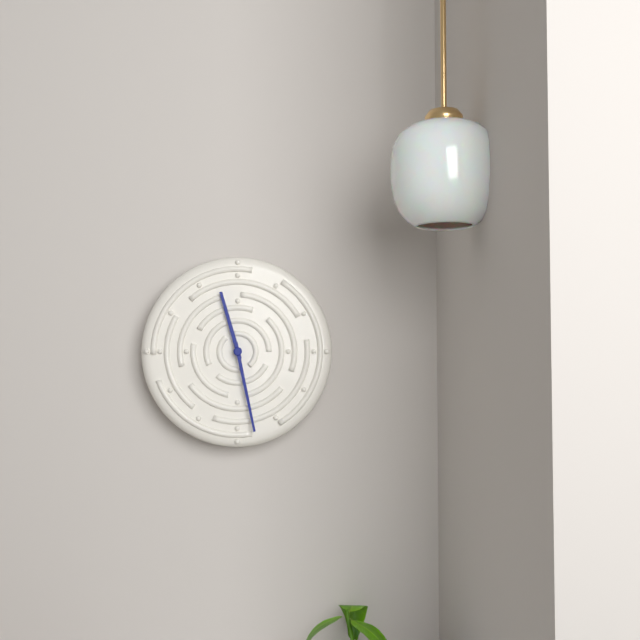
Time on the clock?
11:28
